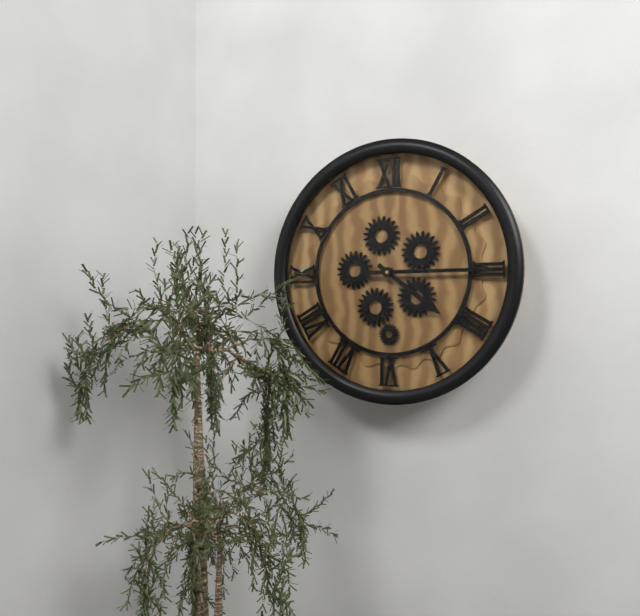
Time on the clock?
4:15
